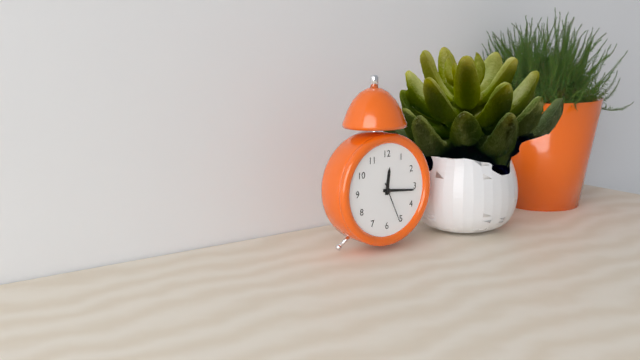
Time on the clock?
12:16
